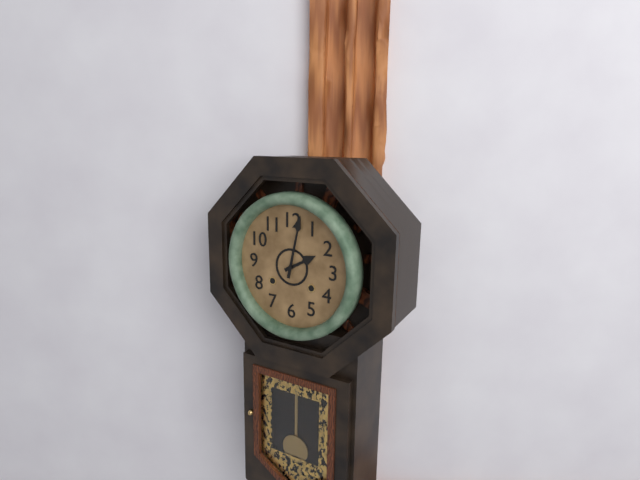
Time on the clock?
2:02
